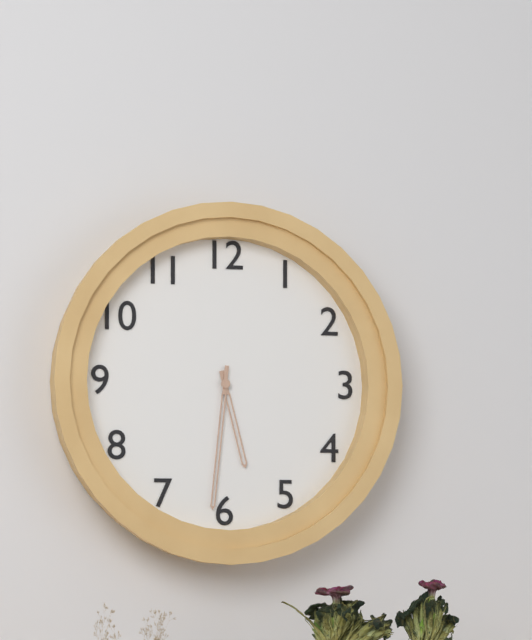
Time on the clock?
5:31
